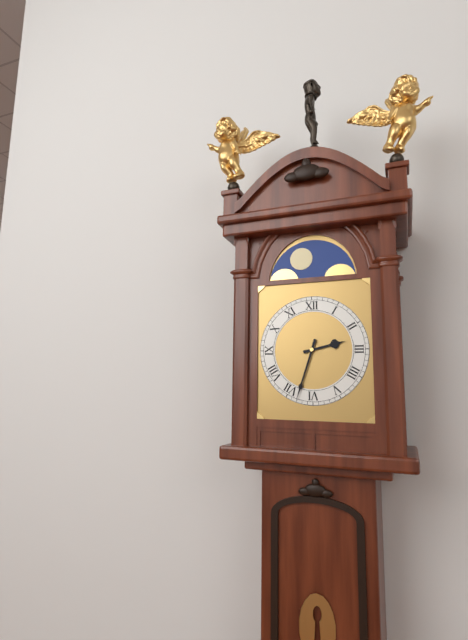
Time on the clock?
2:33
